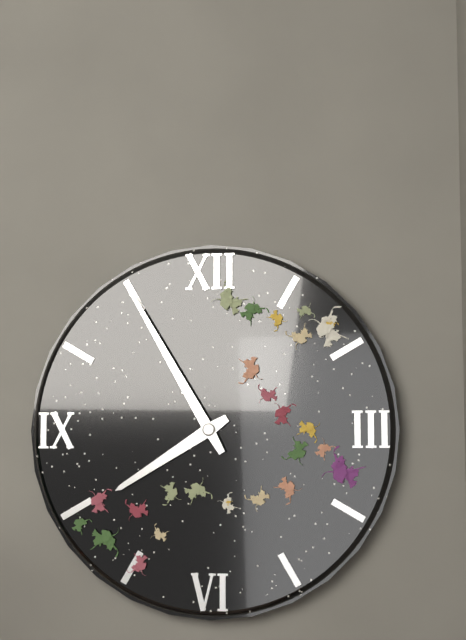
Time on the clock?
7:55
